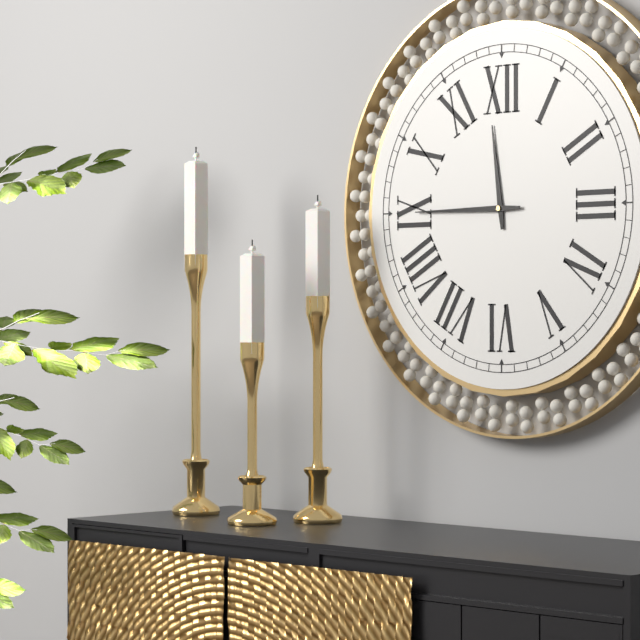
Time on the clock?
11:45
